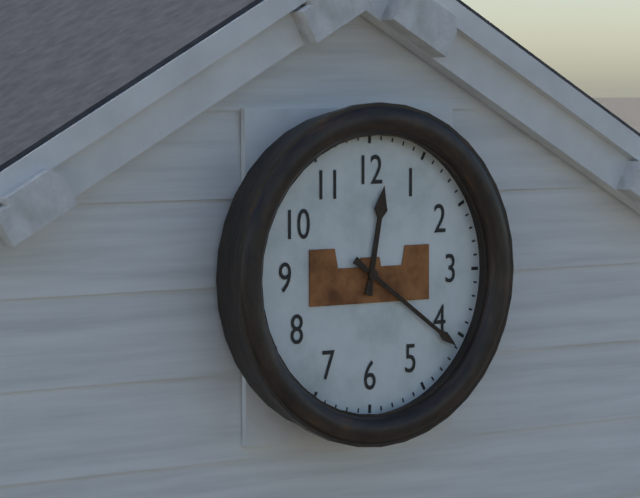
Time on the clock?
12:21
